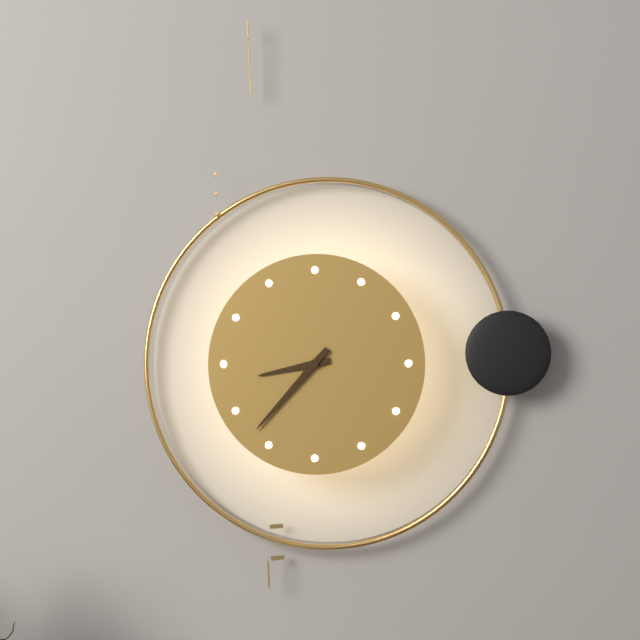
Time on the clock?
8:37
